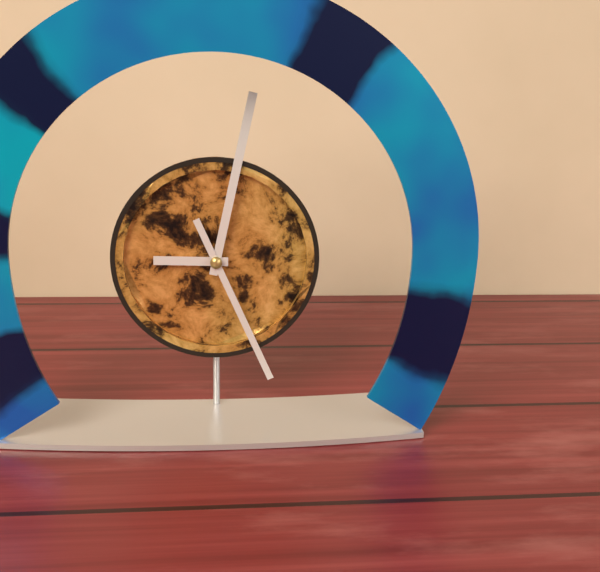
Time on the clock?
9:02:26
